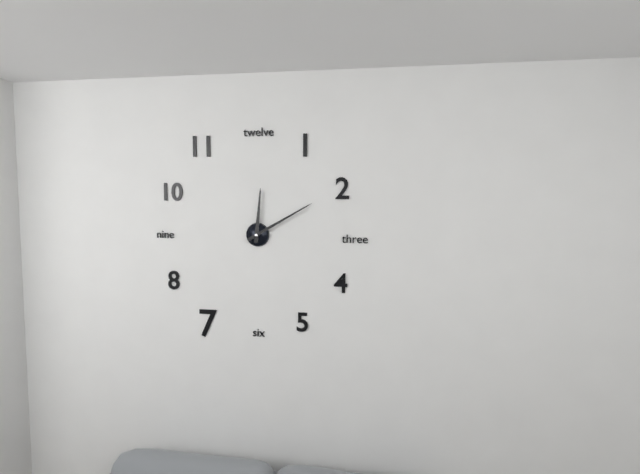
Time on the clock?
12:10
